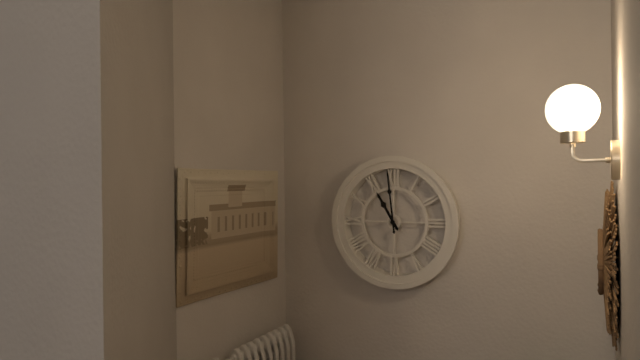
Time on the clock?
10:59
